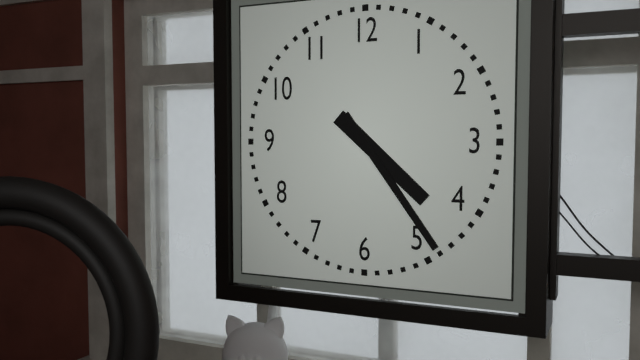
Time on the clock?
4:24
